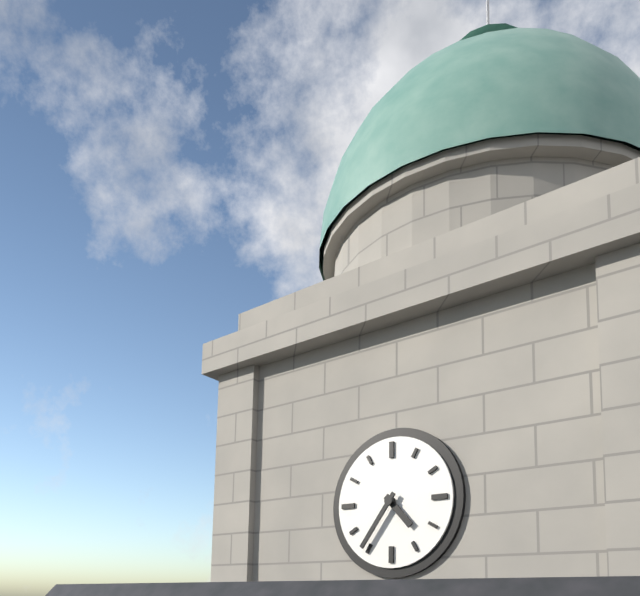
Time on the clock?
4:36
